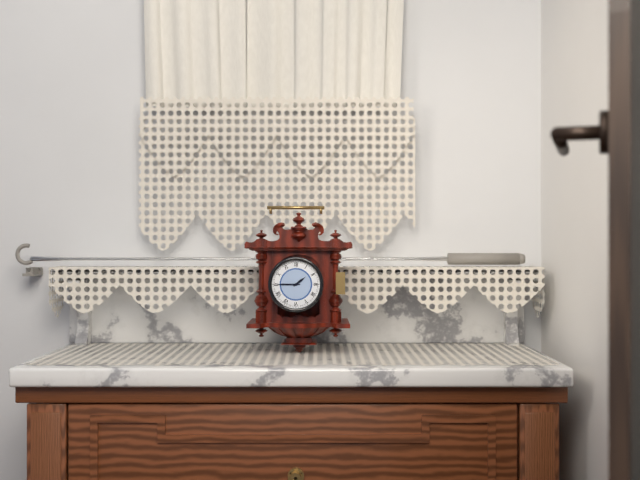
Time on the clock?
1:45
